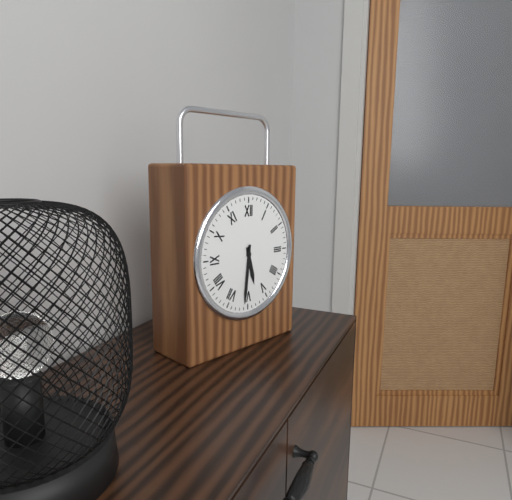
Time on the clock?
5:31
